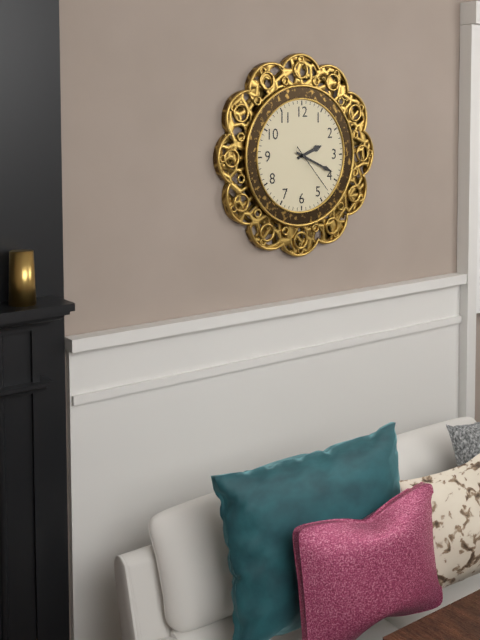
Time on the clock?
2:19:23
